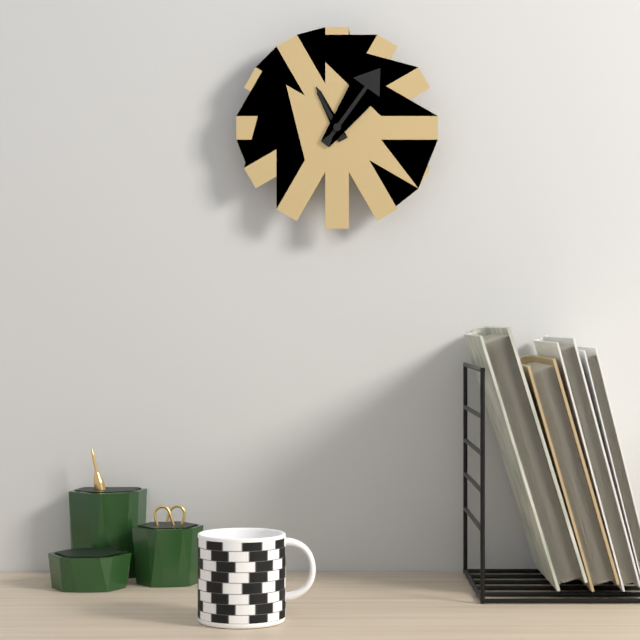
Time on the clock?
11:06
